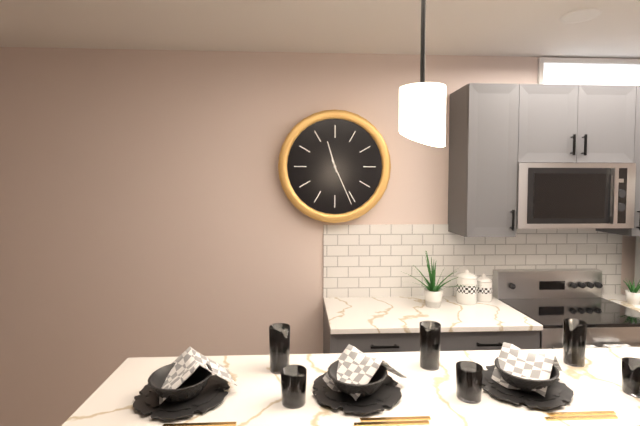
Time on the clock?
11:26
